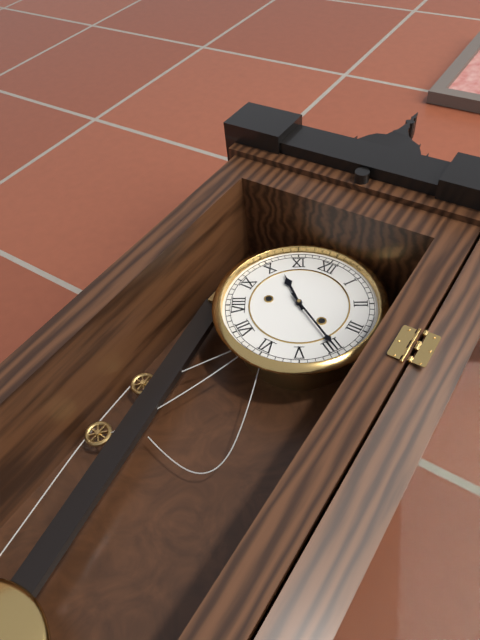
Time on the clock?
10:20
